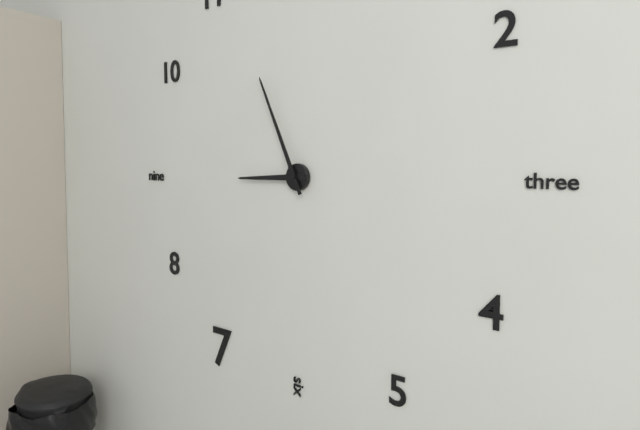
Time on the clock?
8:56
